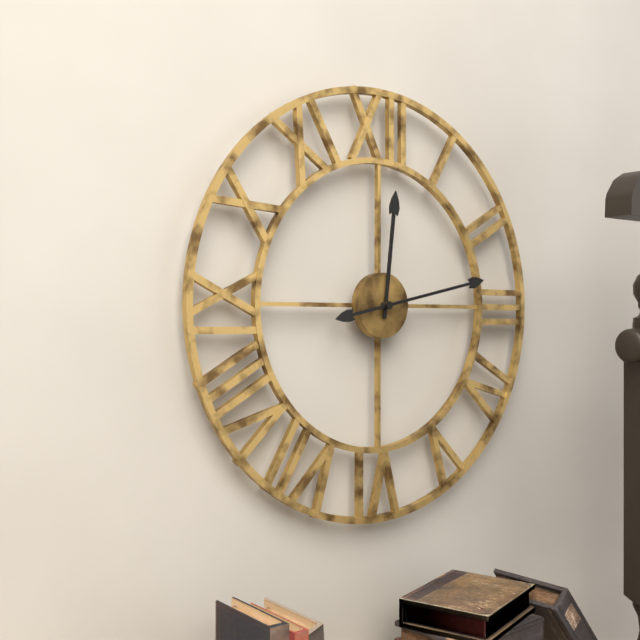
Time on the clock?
12:13
